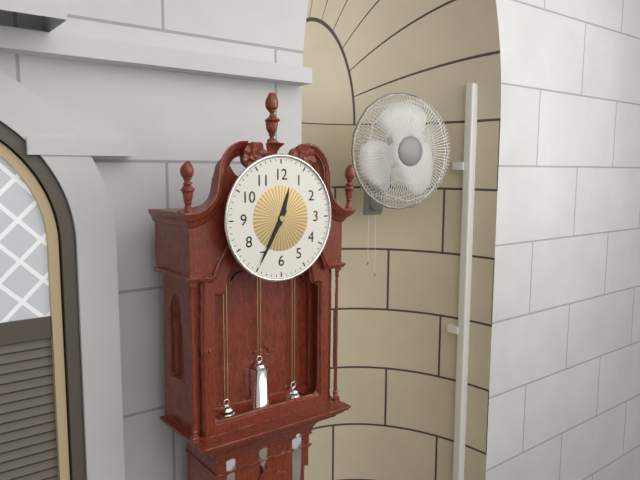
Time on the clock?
12:35
